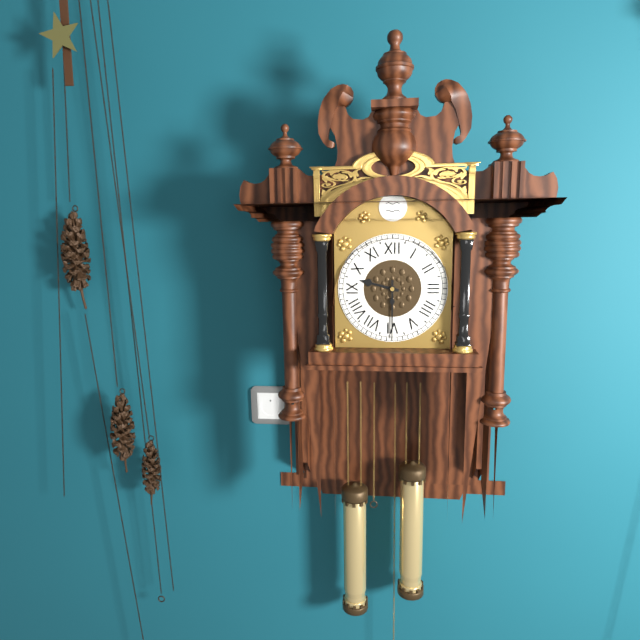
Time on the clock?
9:30
